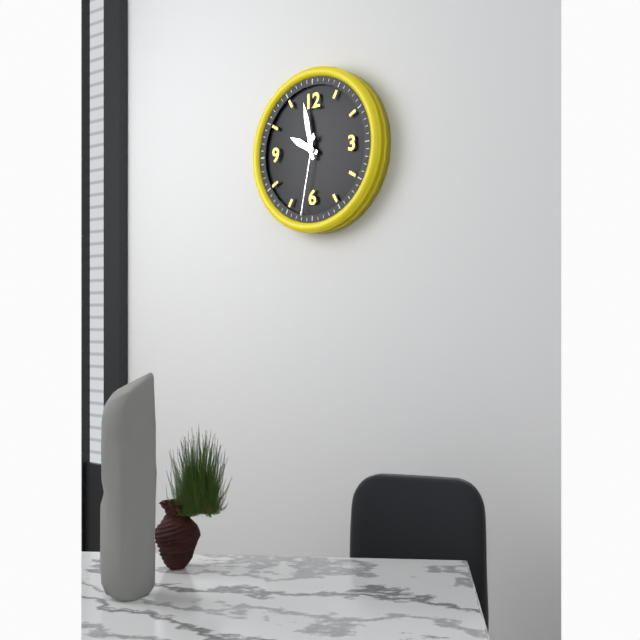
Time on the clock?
9:58:32
